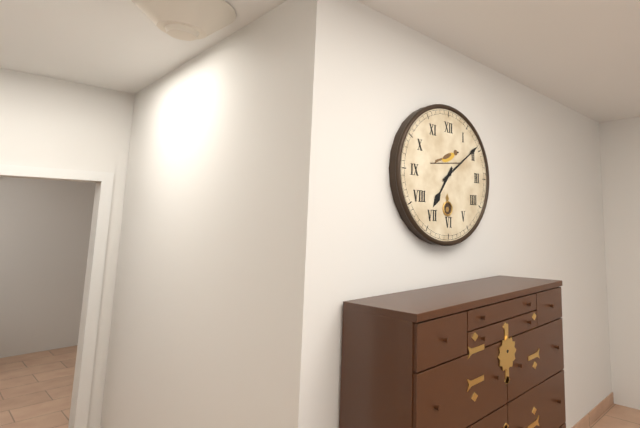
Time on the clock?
7:09
